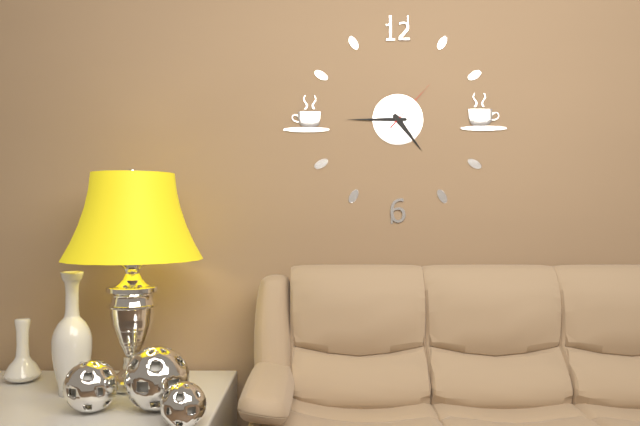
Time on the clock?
4:45:07
